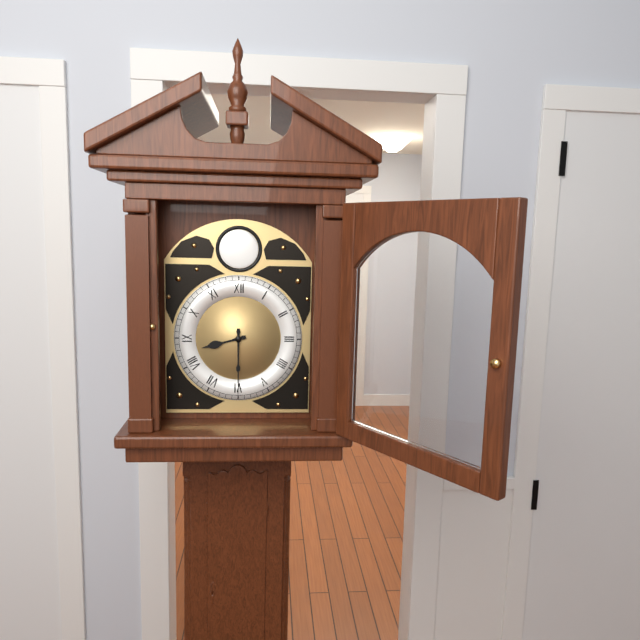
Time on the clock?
8:30
